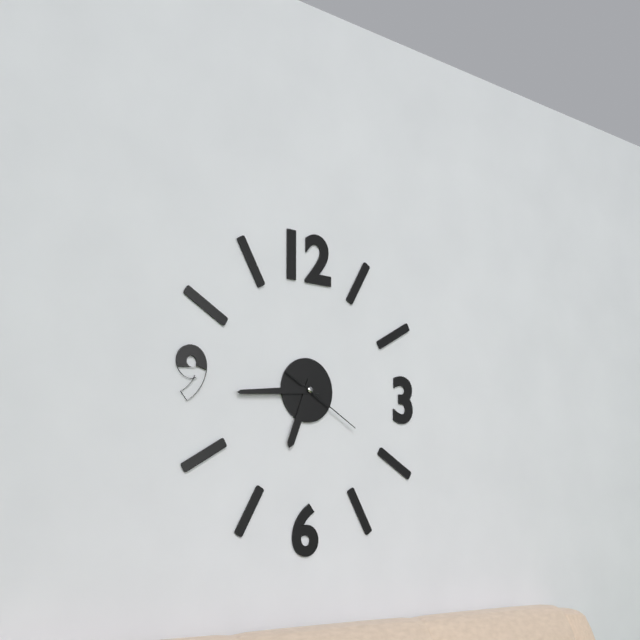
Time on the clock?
6:44:20
